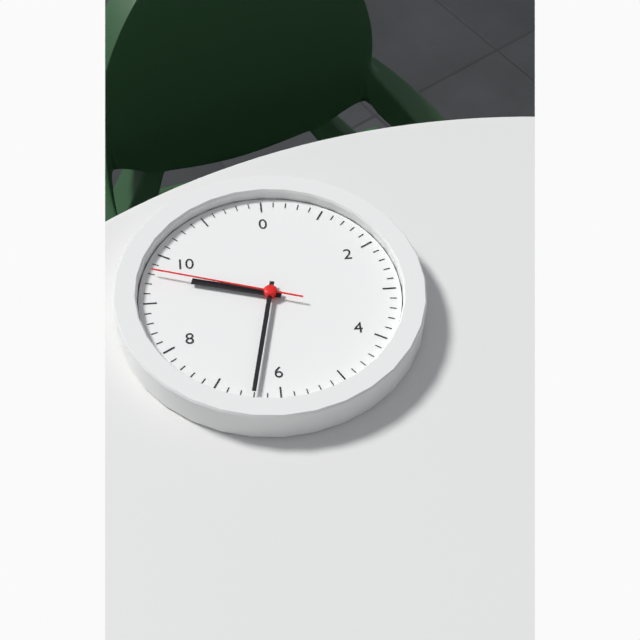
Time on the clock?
9:32:48
